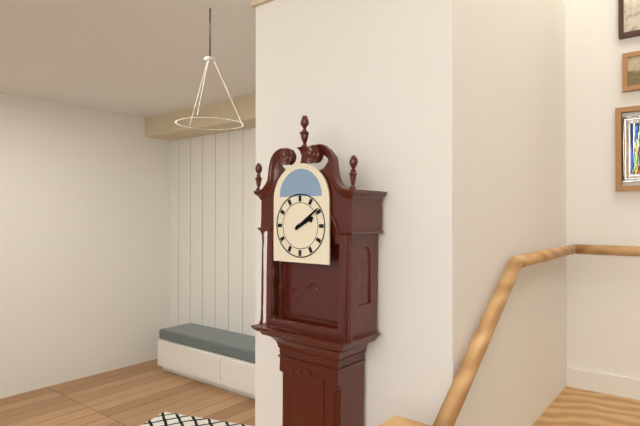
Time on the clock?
2:09
